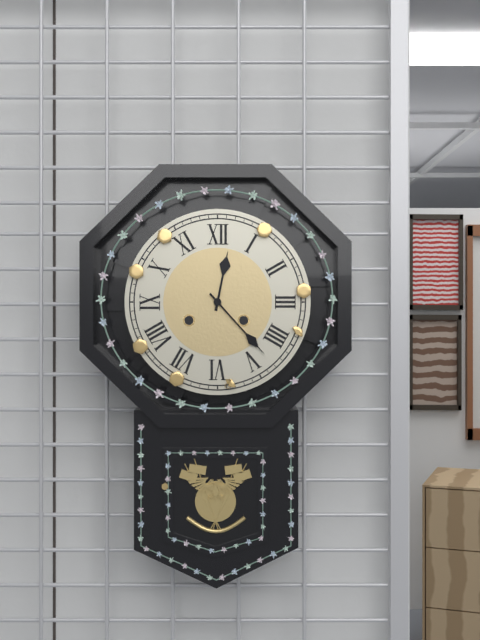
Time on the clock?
12:23
